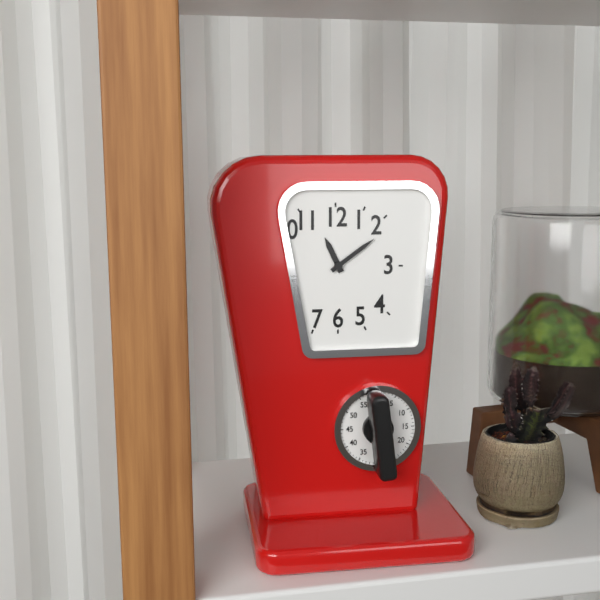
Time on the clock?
11:09
